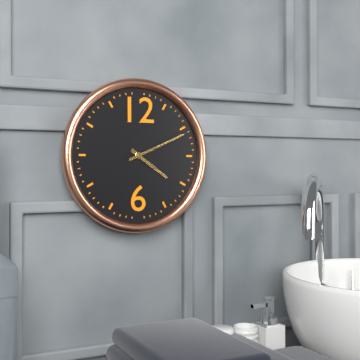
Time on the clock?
4:11
